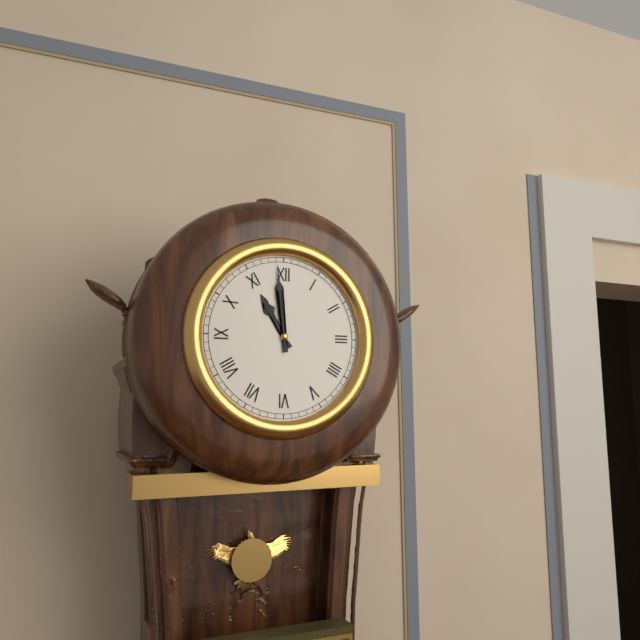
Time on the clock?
10:59
